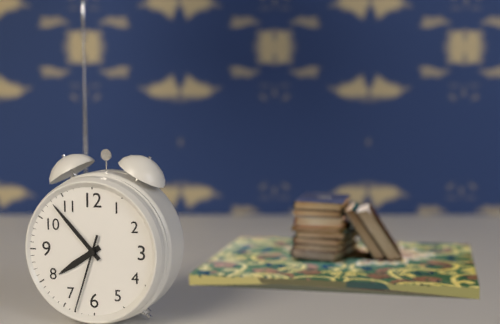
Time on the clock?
7:53:33
